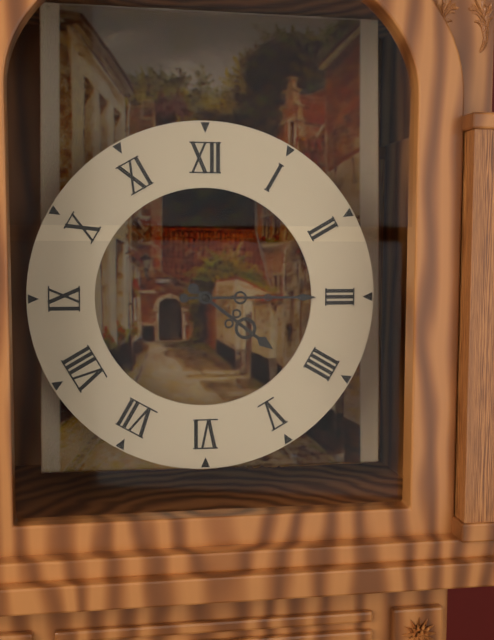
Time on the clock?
4:15
